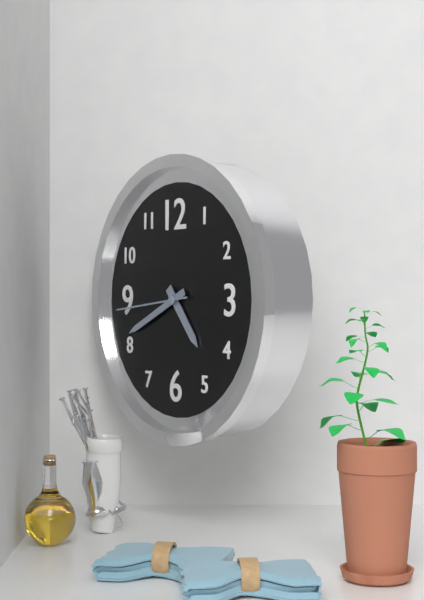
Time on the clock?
4:41:44
